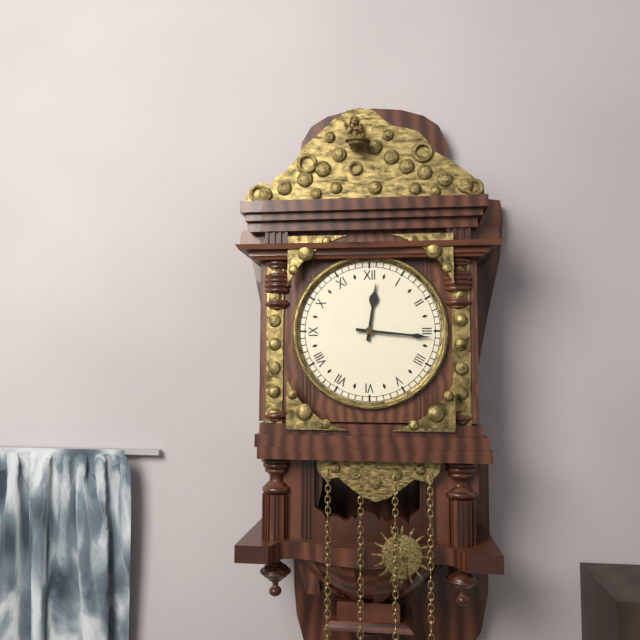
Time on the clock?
12:16
